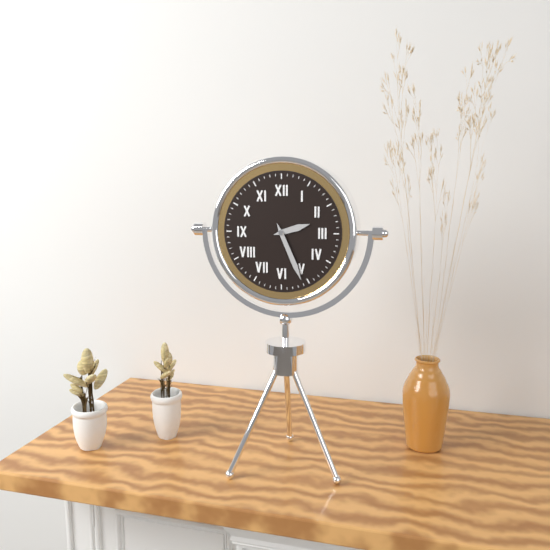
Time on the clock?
2:26
